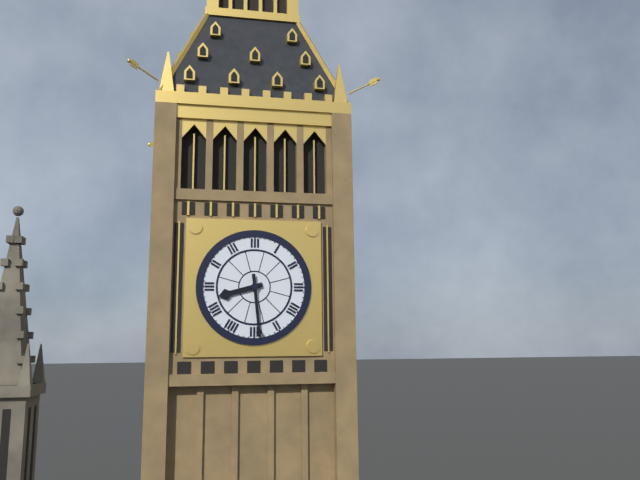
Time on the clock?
8:29
